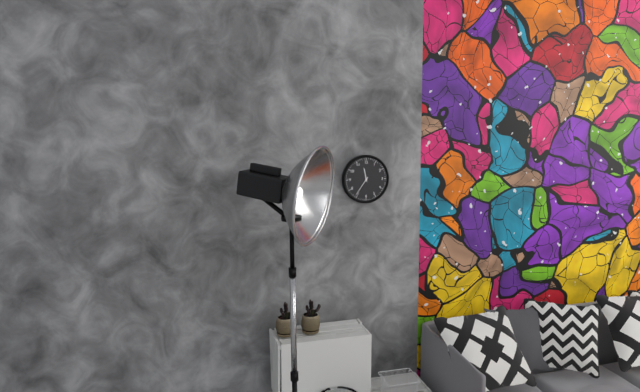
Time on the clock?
11:36
